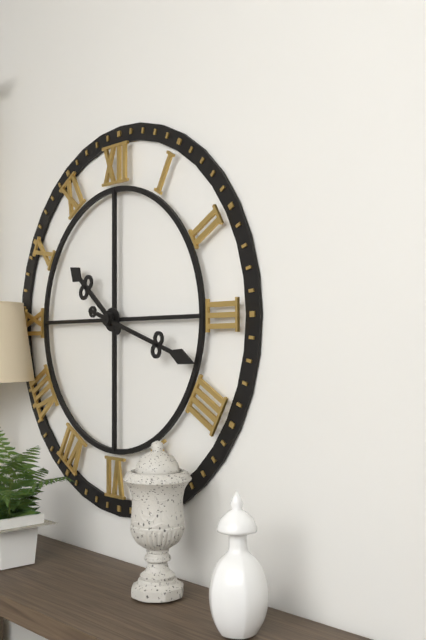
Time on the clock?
10:18
